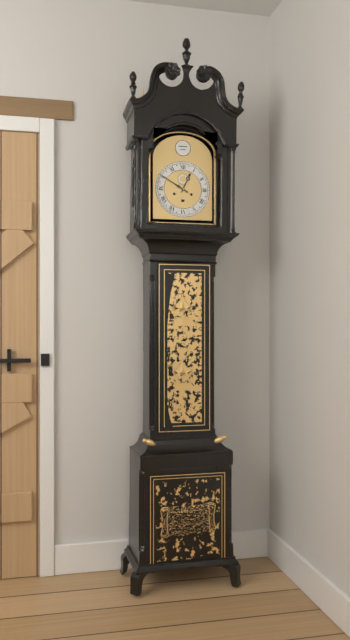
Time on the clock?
12:50
